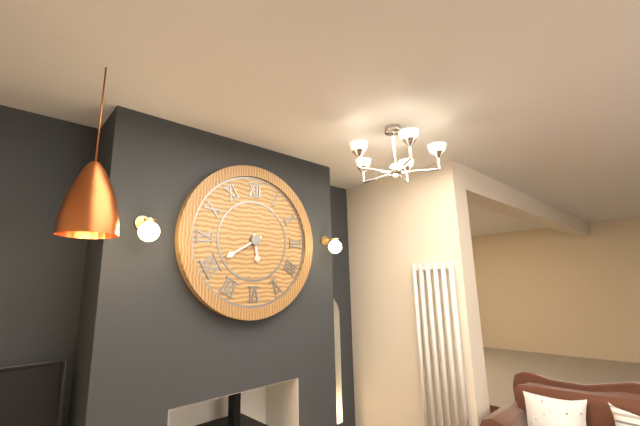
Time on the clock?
5:40
